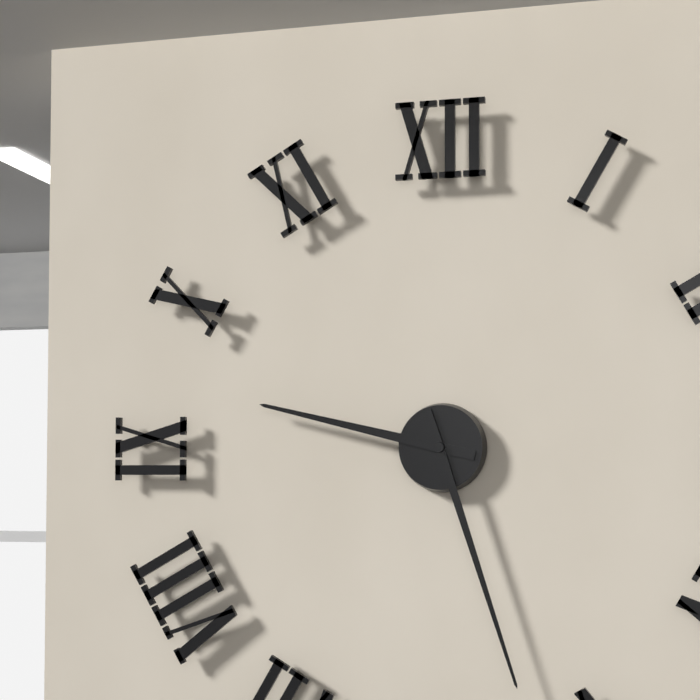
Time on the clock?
9:27
